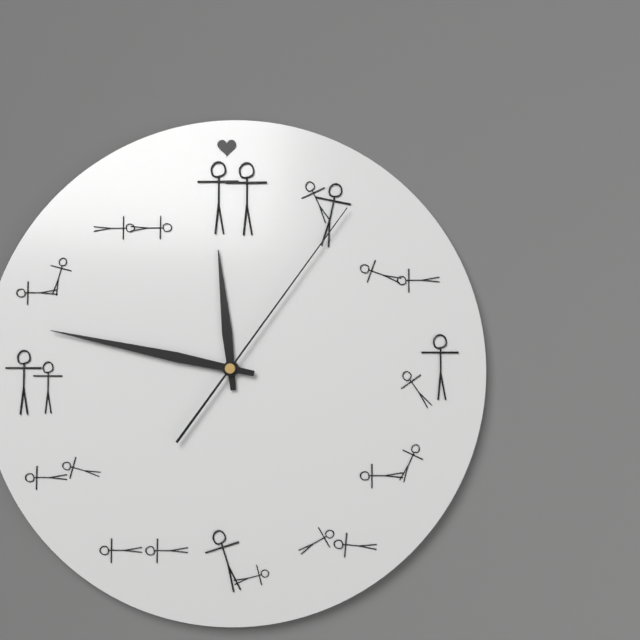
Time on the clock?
11:47:06
